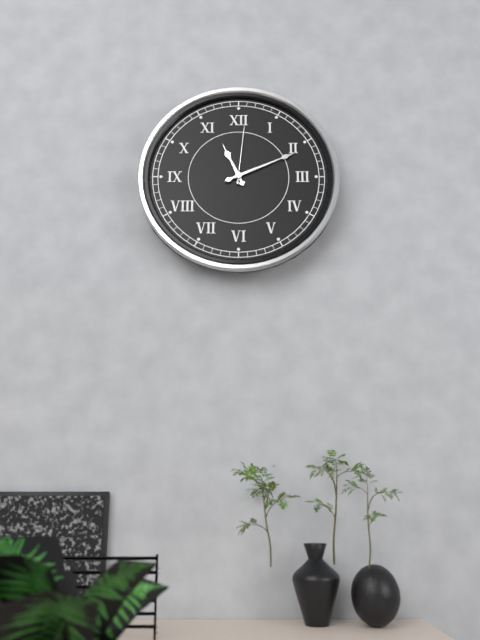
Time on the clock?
11:11:01
